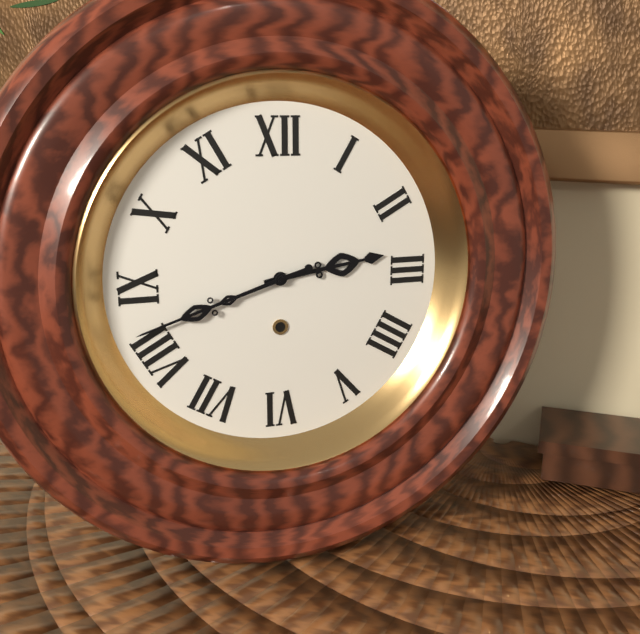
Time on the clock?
2:42
